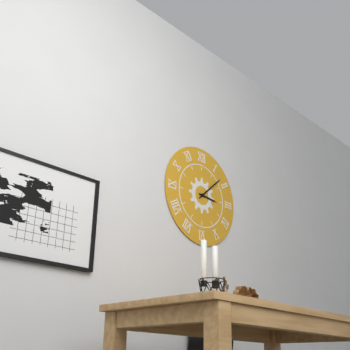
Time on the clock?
3:08
